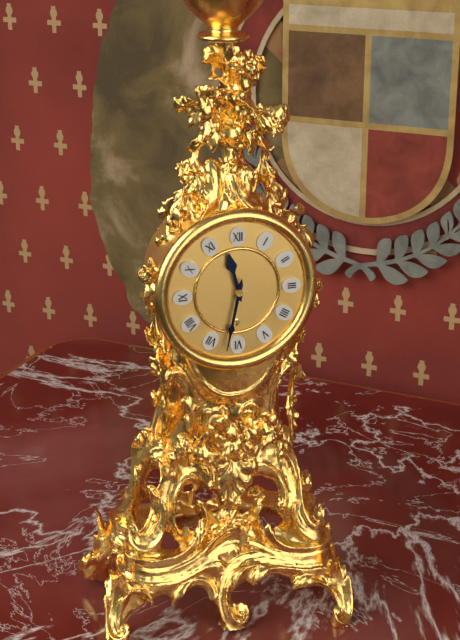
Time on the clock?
11:32
